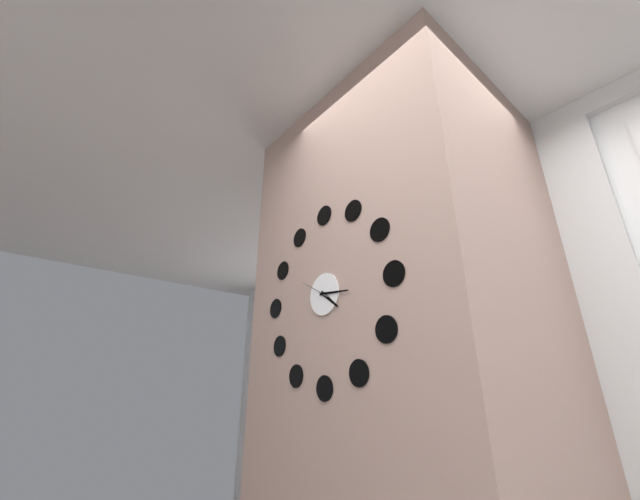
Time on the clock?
4:16
